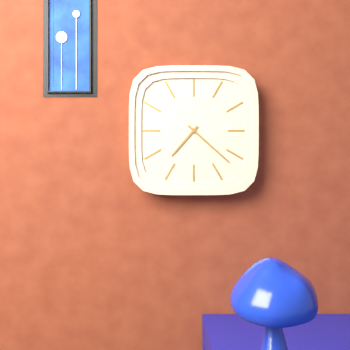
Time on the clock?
7:22
